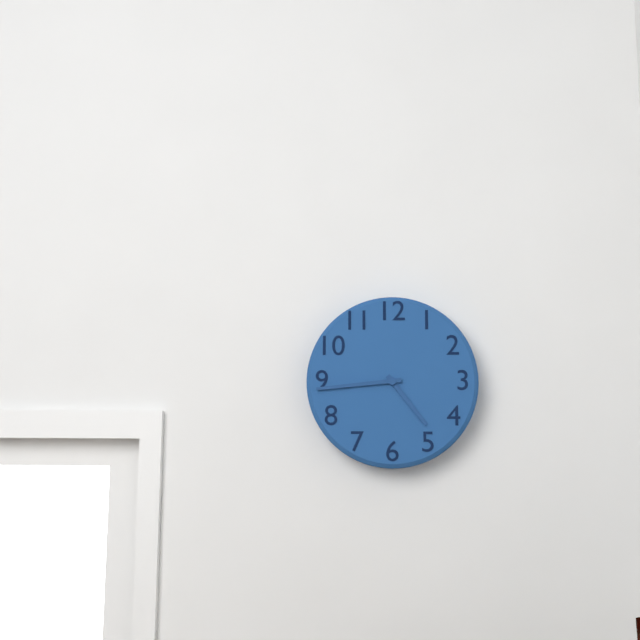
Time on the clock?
4:44
